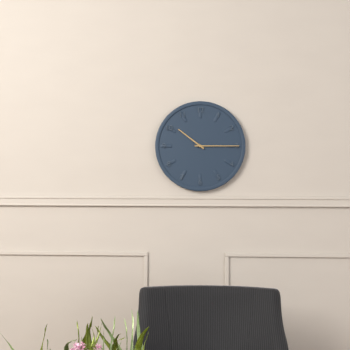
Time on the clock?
10:15
